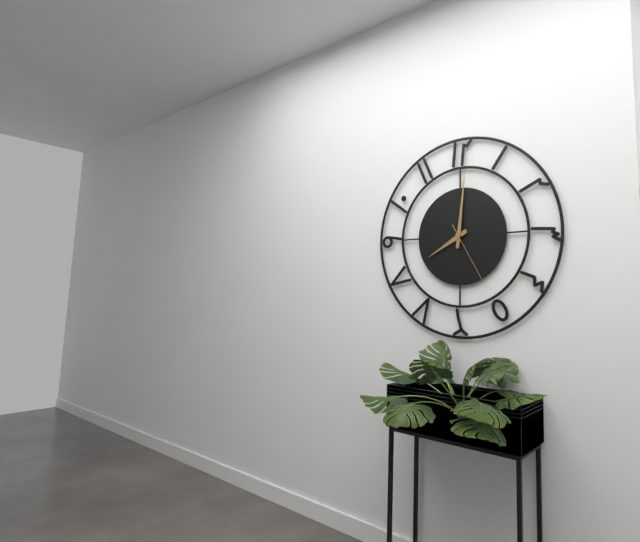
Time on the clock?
8:01:25
